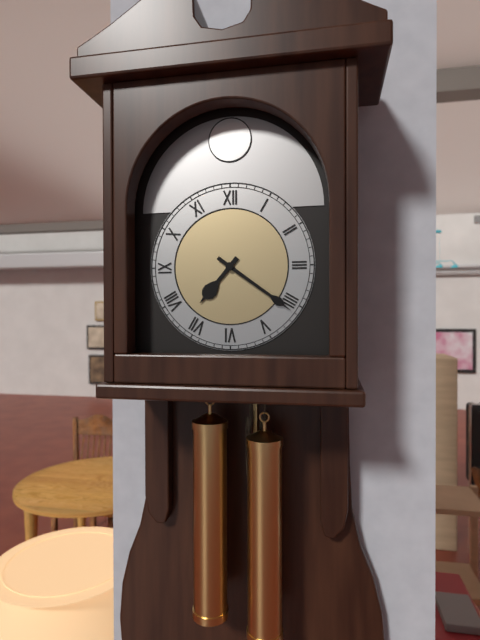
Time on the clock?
7:21
